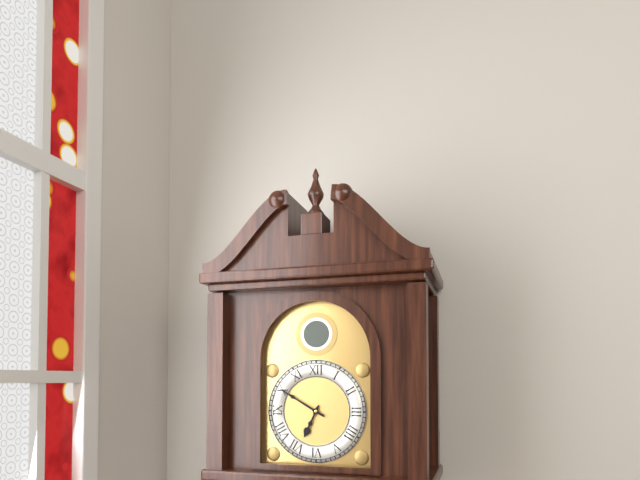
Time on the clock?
6:50
